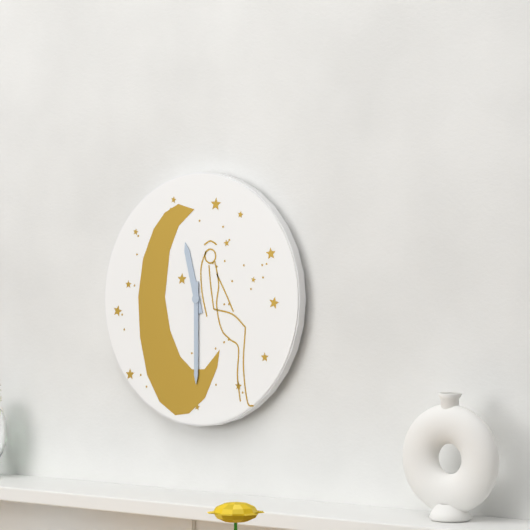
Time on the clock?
11:30
